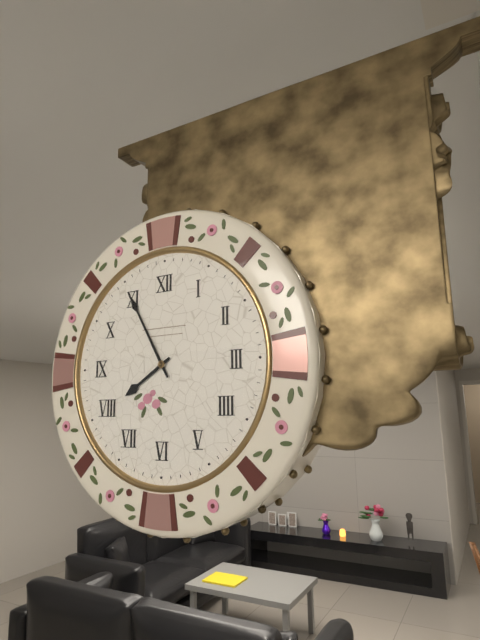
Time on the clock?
7:55
